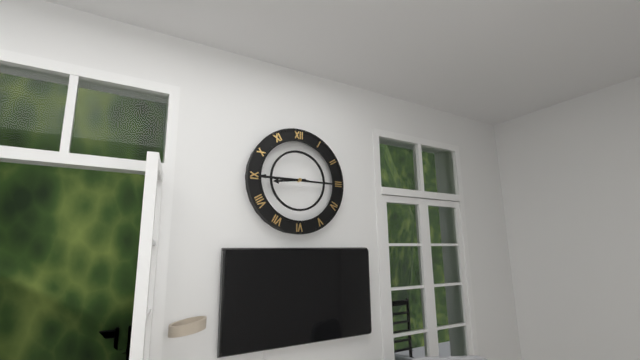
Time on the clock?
8:45
